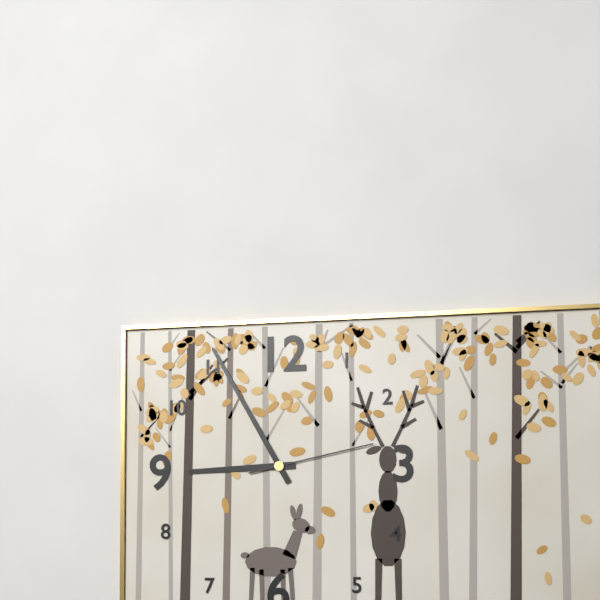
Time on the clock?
8:55:13
